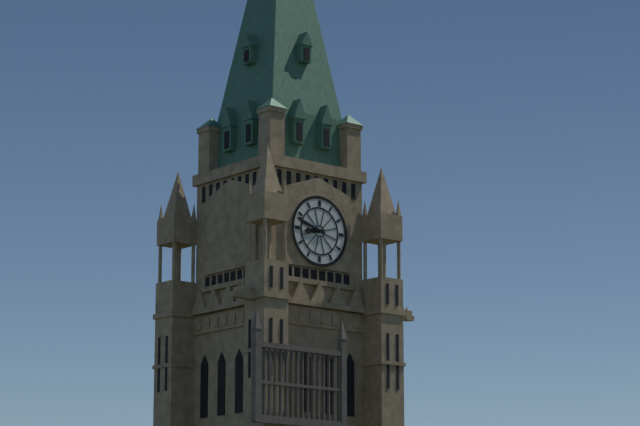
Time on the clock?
8:48
